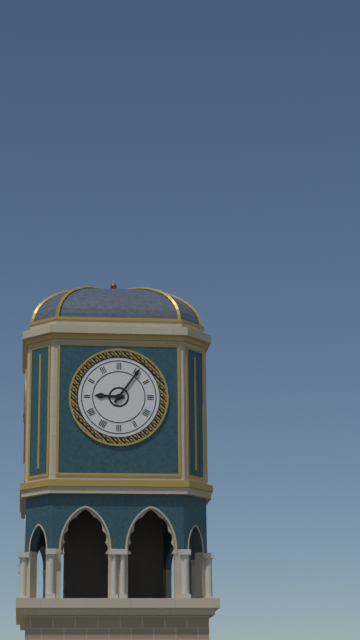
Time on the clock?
9:06
